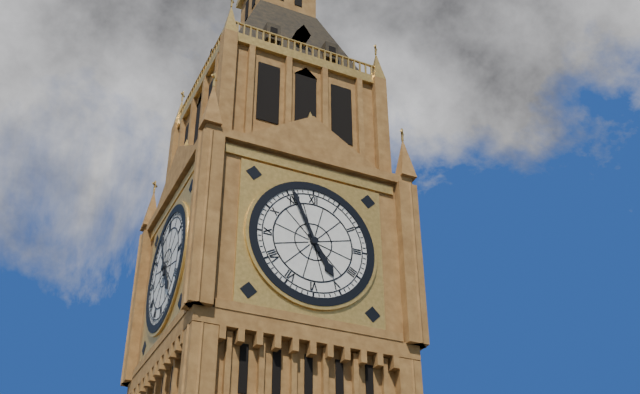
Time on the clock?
4:56
